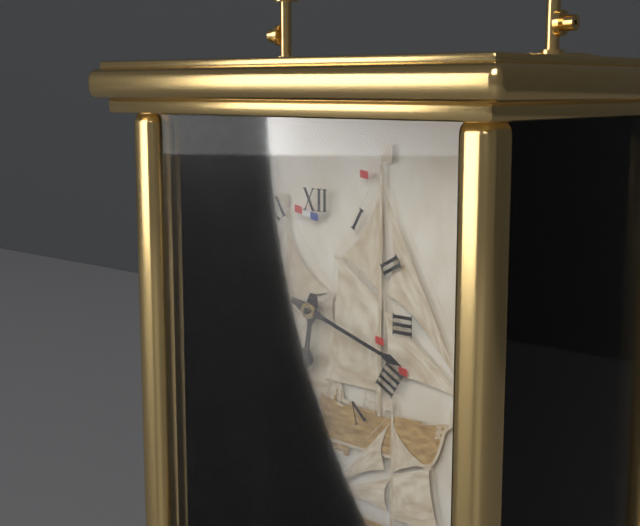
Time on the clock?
6:18
